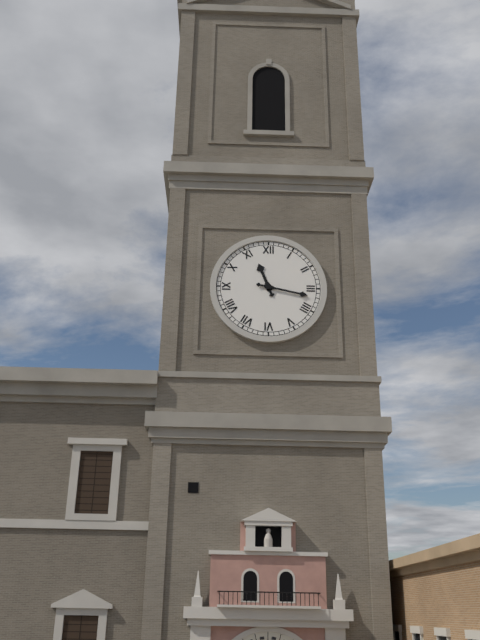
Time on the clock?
11:17
